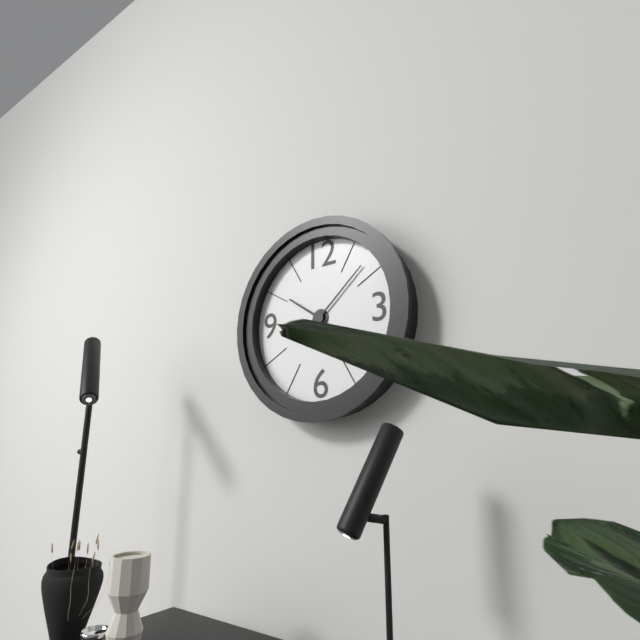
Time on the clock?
10:08
